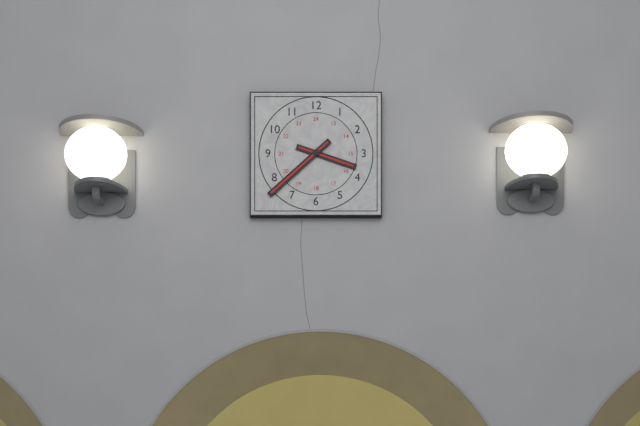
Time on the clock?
3:38
